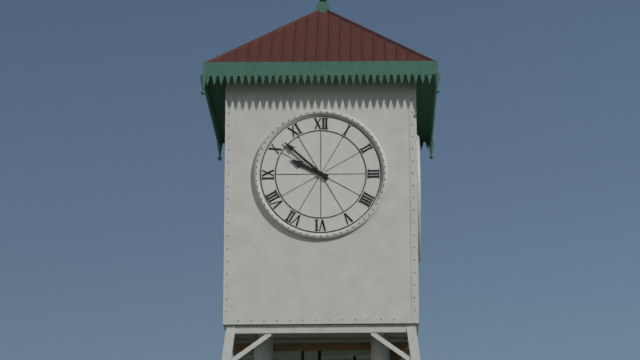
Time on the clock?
9:52
